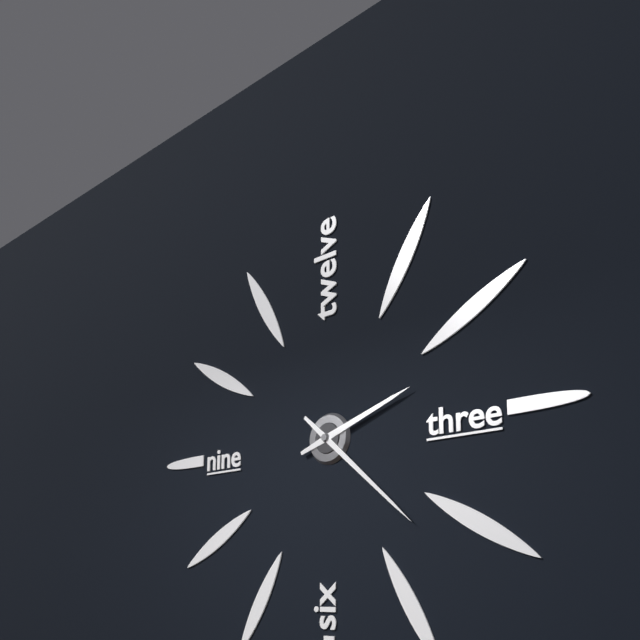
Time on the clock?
2:22
